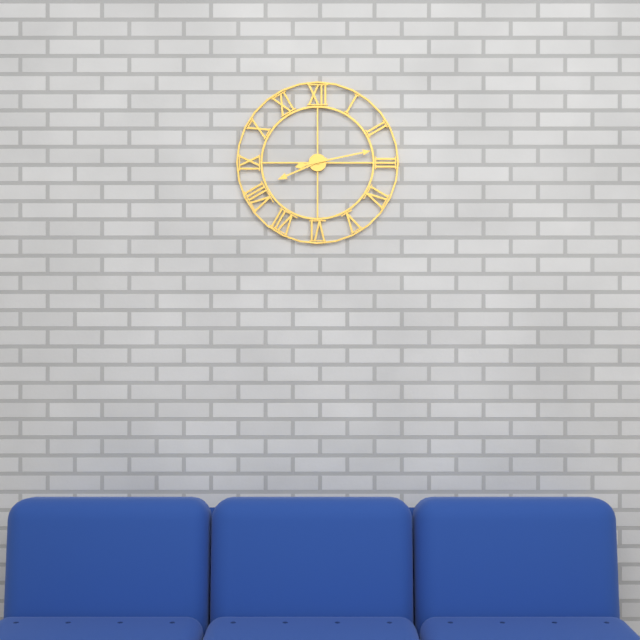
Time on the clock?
8:13
